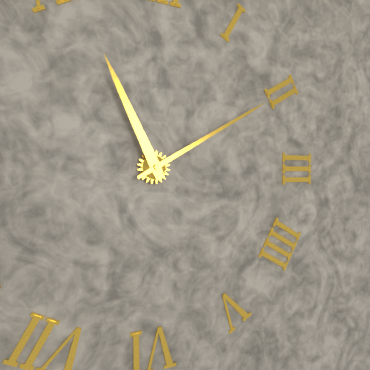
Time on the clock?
11:10
